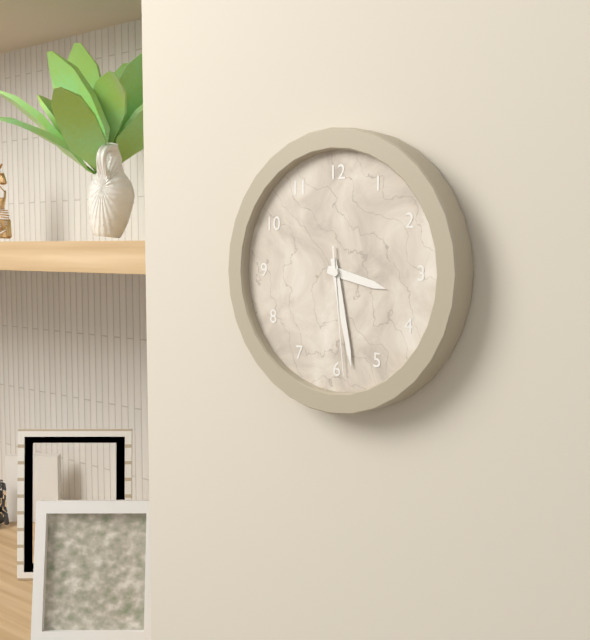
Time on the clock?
3:28:29
